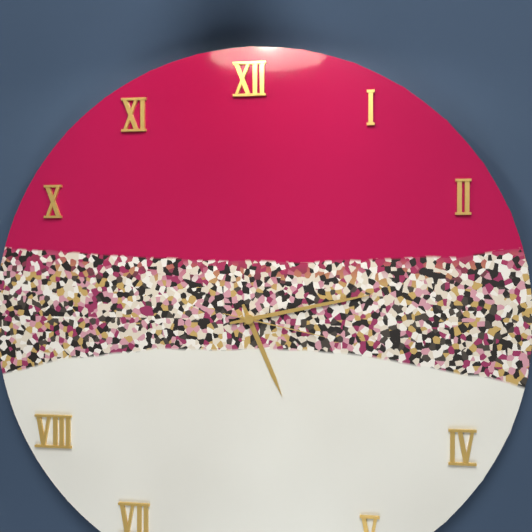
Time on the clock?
5:13:17
